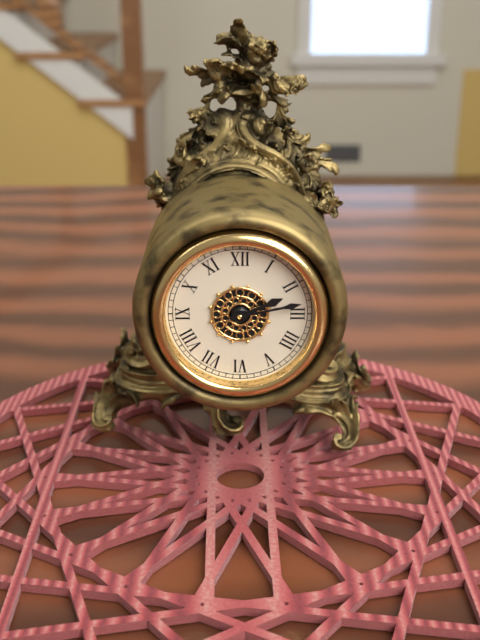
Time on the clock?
2:13
